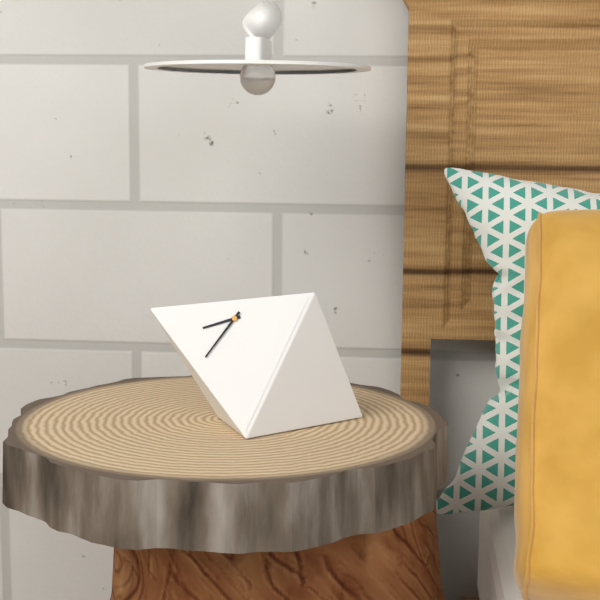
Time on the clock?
8:37
